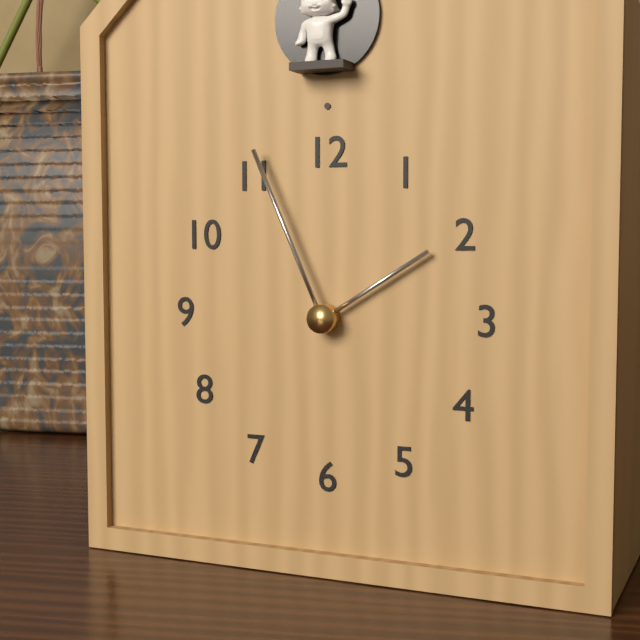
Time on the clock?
1:56
